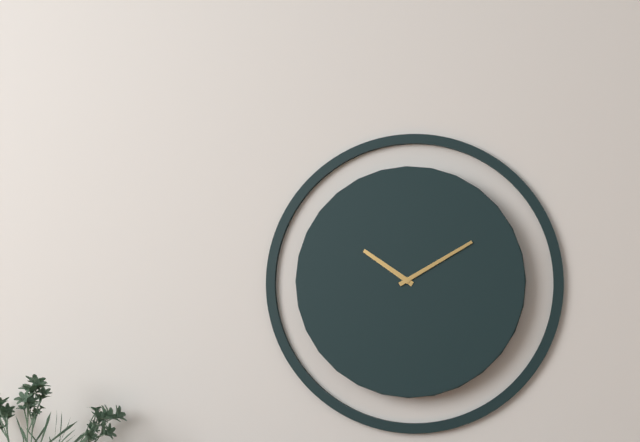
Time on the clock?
10:10
